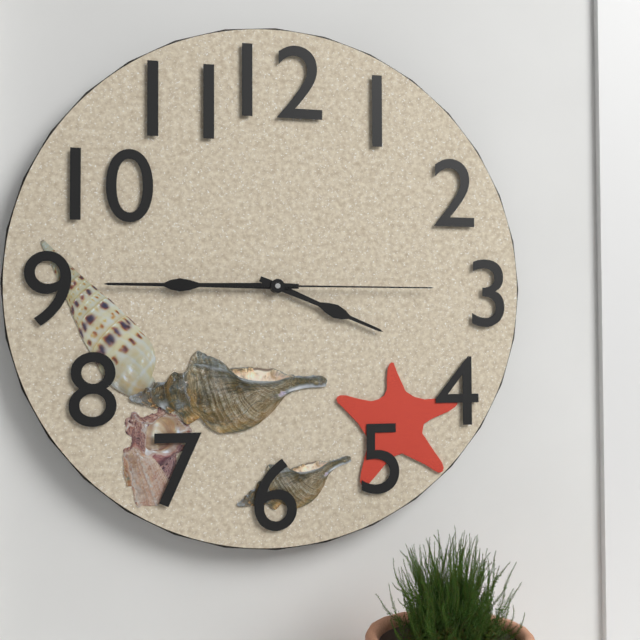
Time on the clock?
3:45:15
